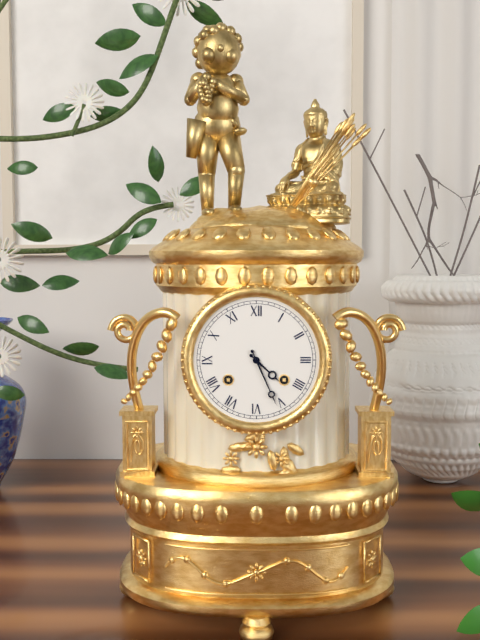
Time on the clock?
4:26
